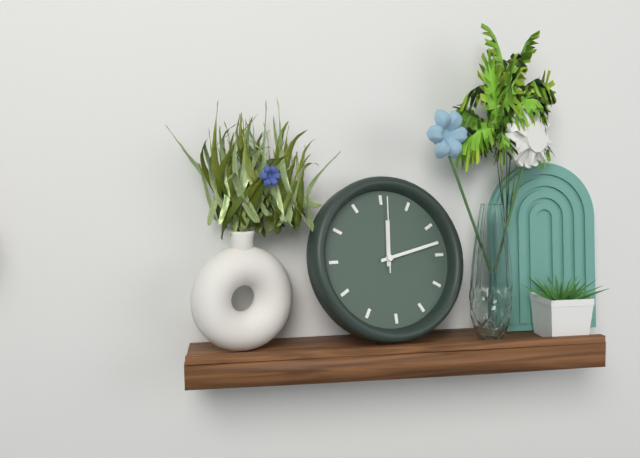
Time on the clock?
12:13:01
